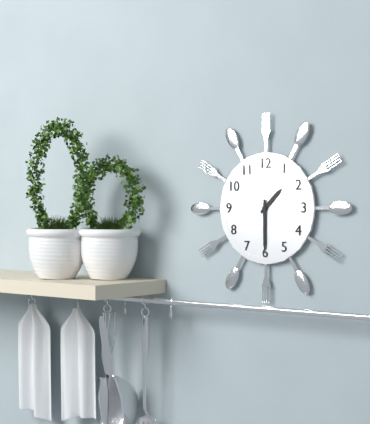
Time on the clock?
1:30
